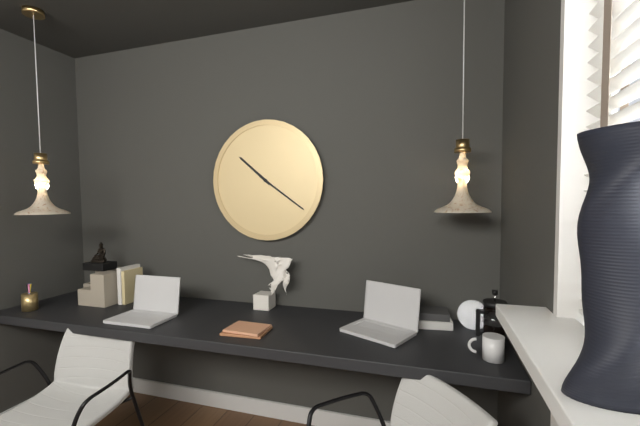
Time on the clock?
10:21
